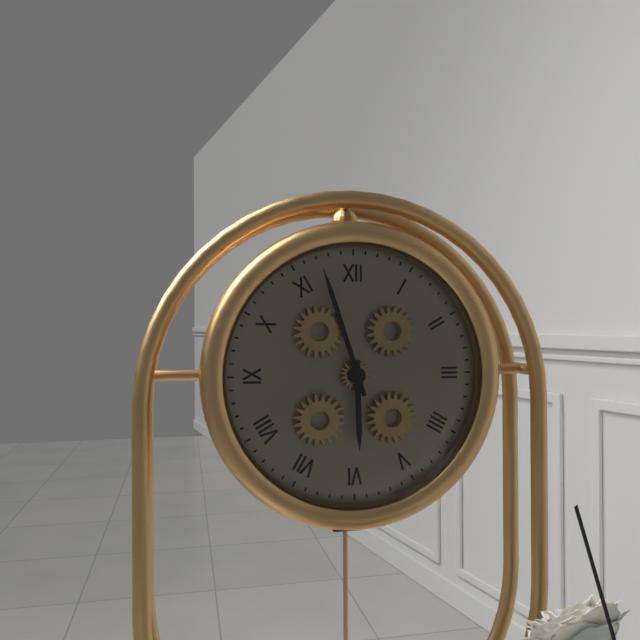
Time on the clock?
5:57
